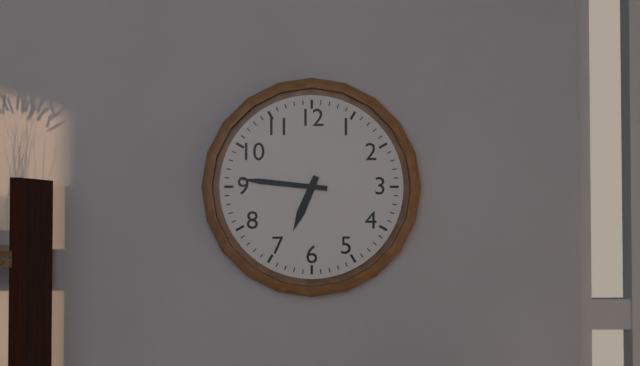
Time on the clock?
6:46
